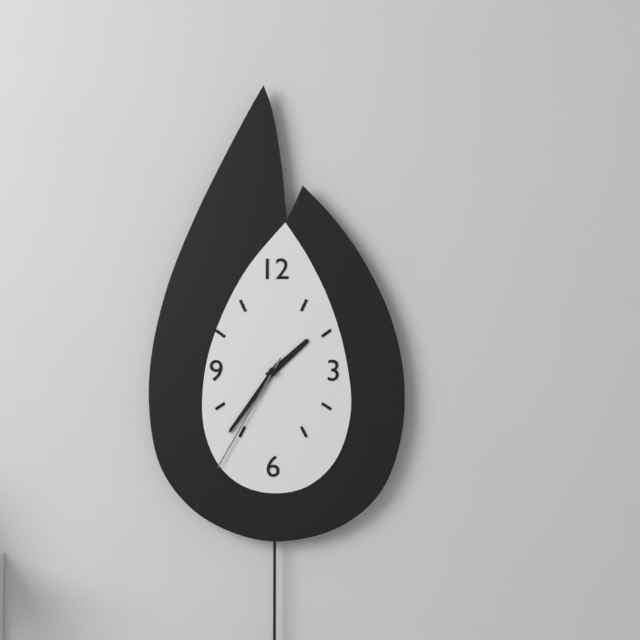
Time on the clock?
1:36:35
